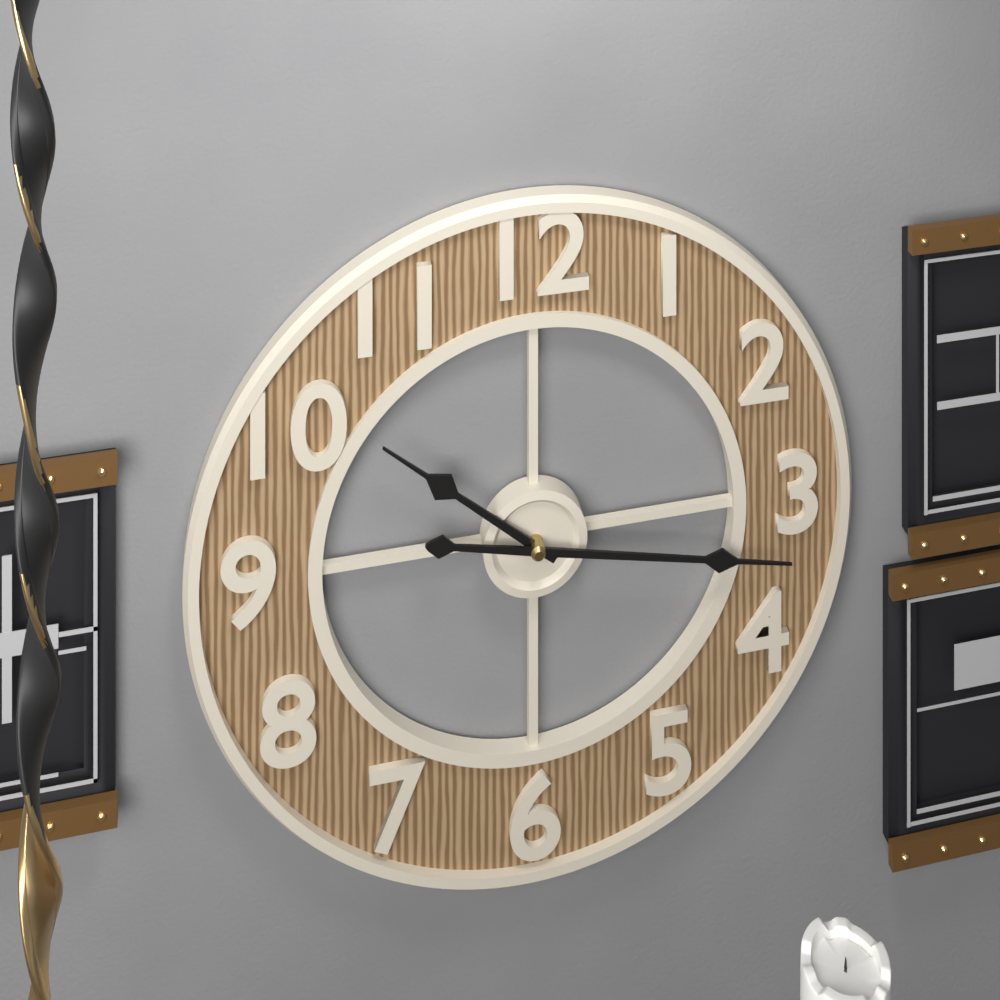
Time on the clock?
10:17
